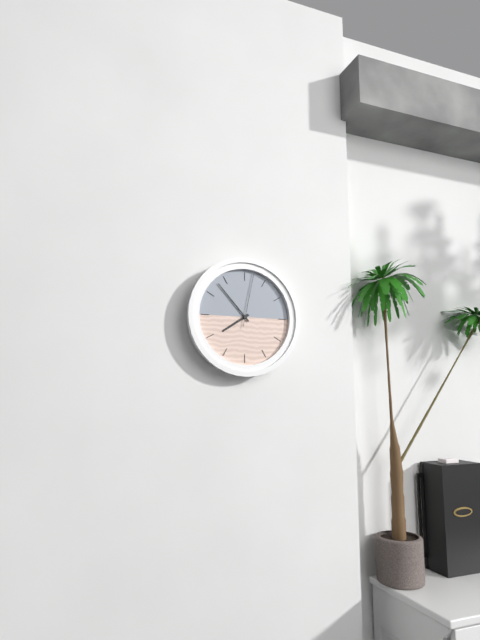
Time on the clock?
7:53:02
